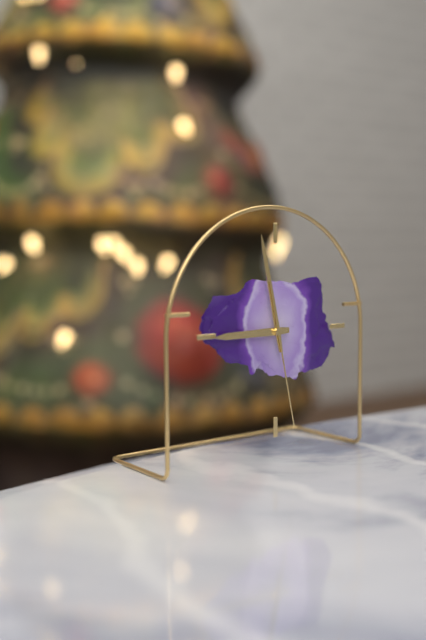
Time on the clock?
8:58:28
